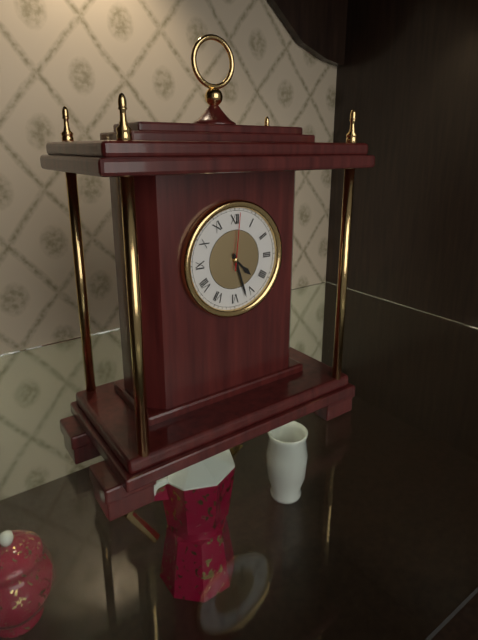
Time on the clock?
4:27:01
